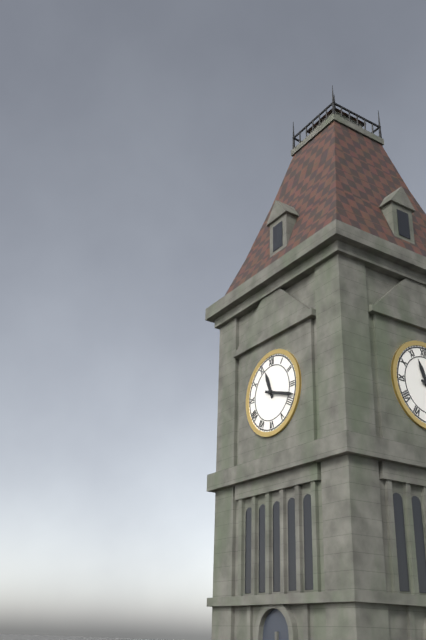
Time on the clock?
11:18
